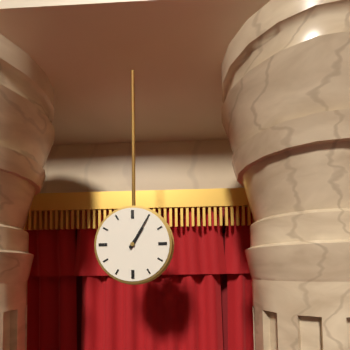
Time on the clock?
1:05
